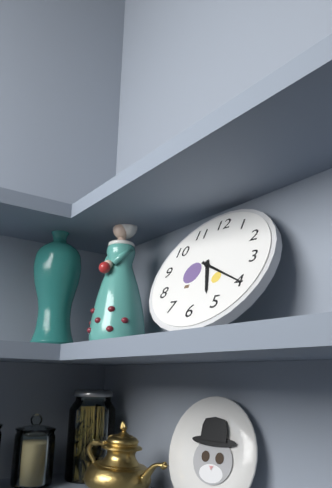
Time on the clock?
5:20
